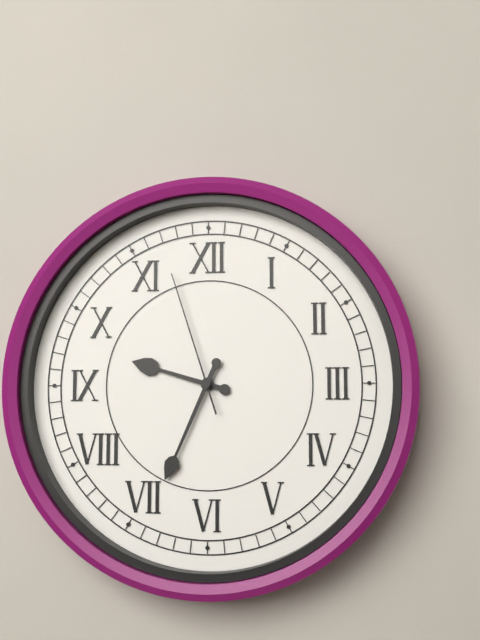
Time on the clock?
9:34:57
